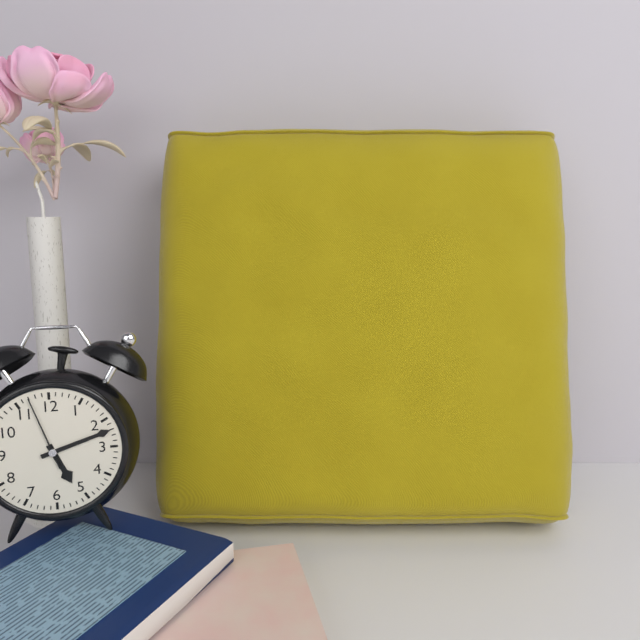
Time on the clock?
5:12:57
